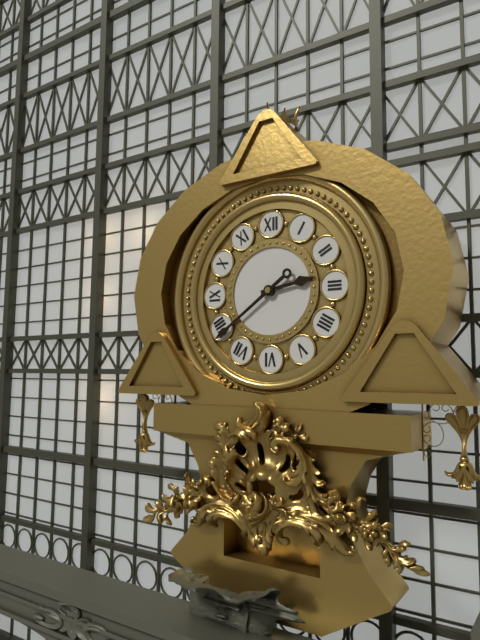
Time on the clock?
2:39
